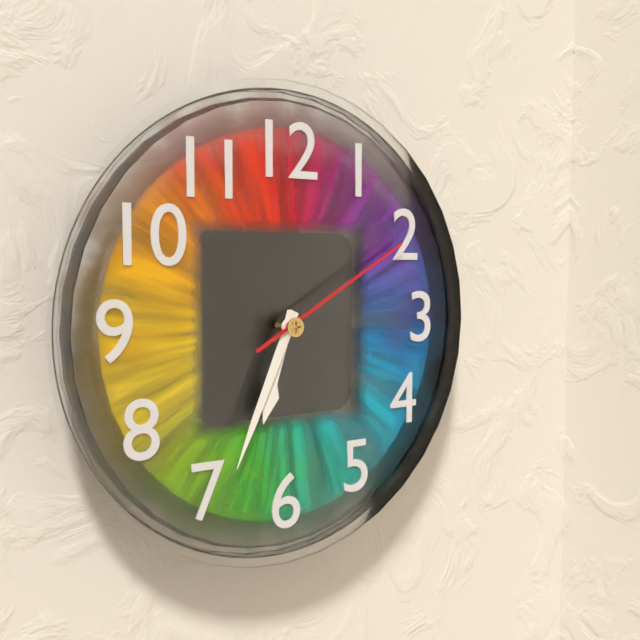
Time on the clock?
6:34:10
